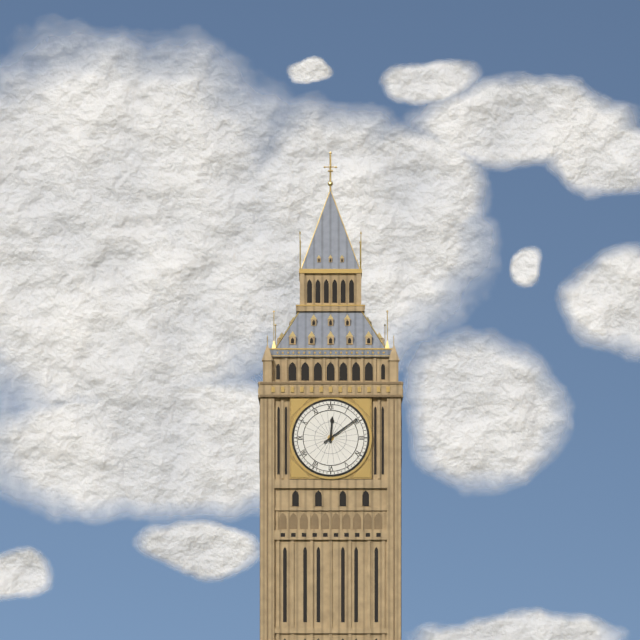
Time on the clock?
12:09
